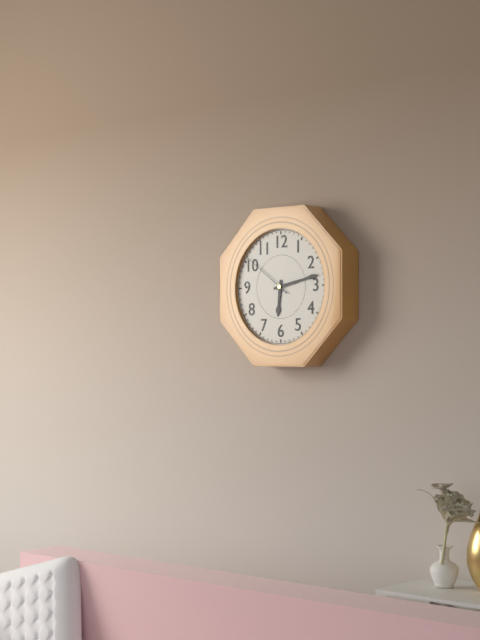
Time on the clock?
6:13:51
